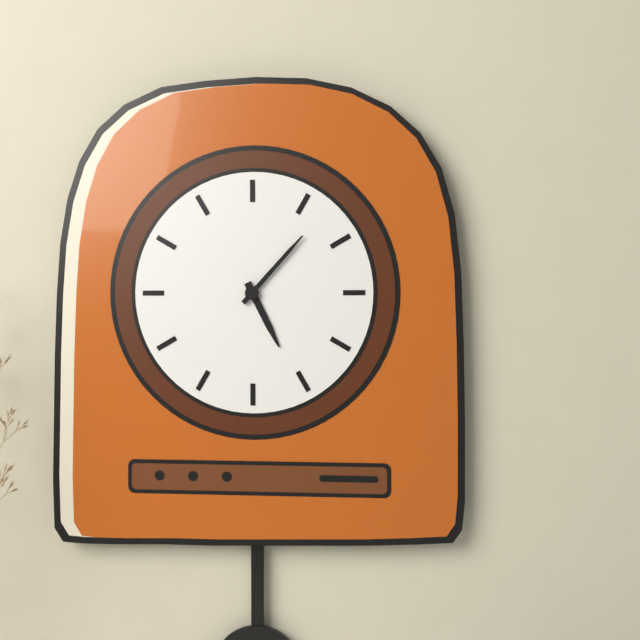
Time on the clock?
5:07
